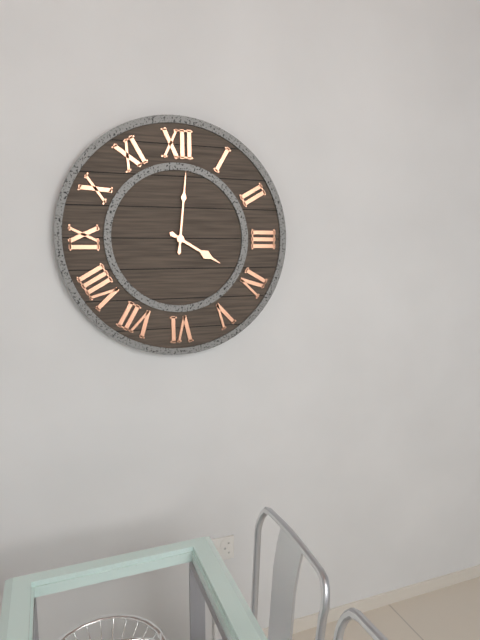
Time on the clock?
4:01
